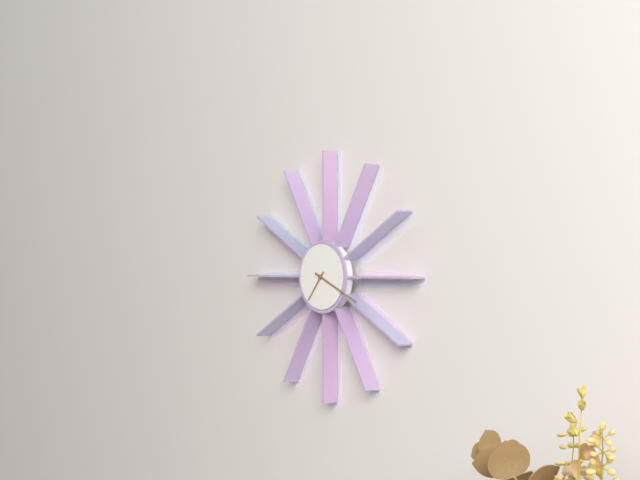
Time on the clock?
7:19
